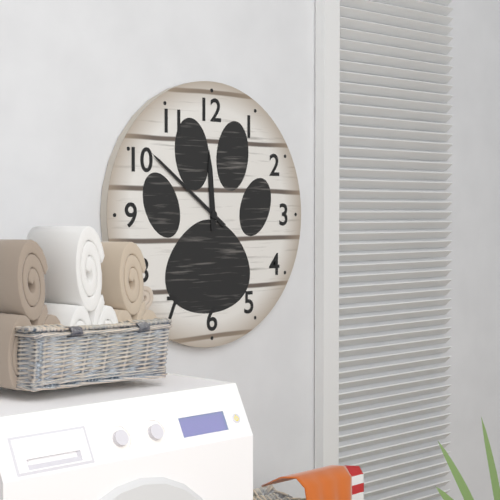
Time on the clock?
11:51
